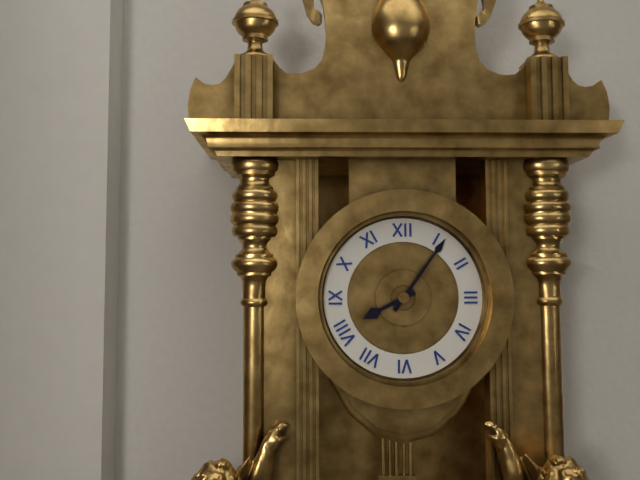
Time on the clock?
8:06
